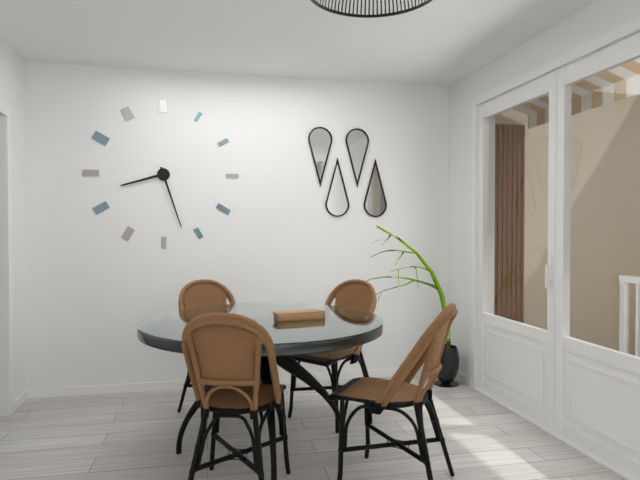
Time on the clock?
8:27
